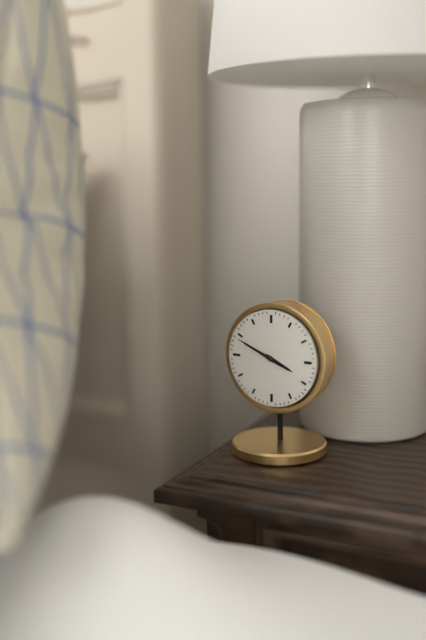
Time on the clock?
3:49
